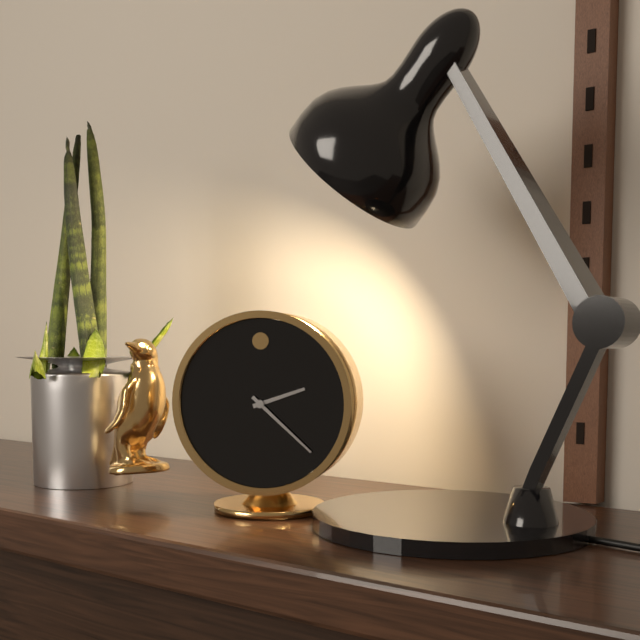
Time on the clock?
2:22
